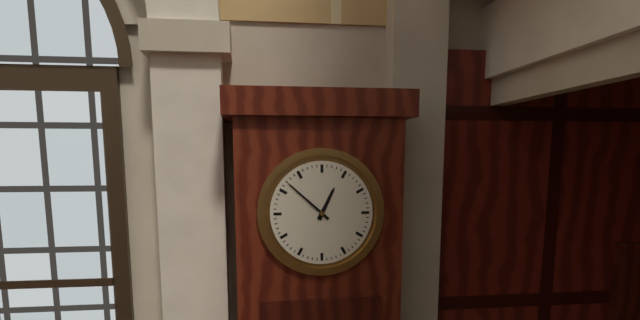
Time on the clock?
12:52
